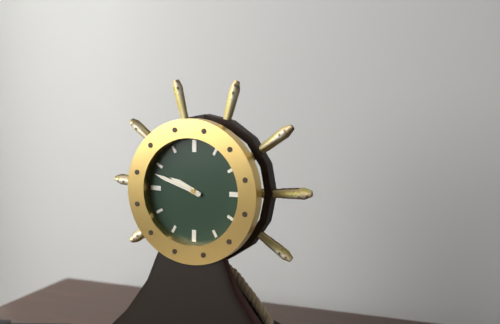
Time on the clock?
9:48
